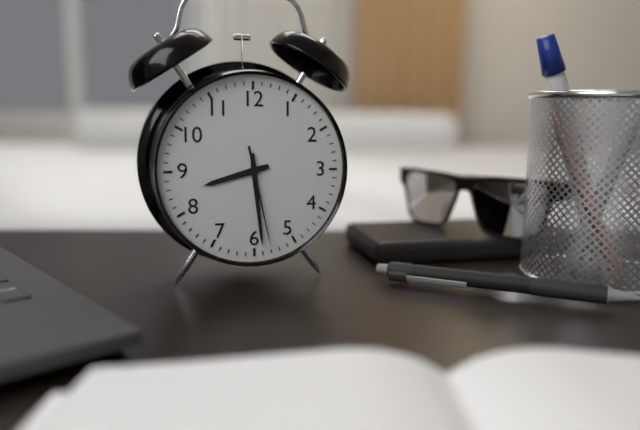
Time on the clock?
8:29:28
